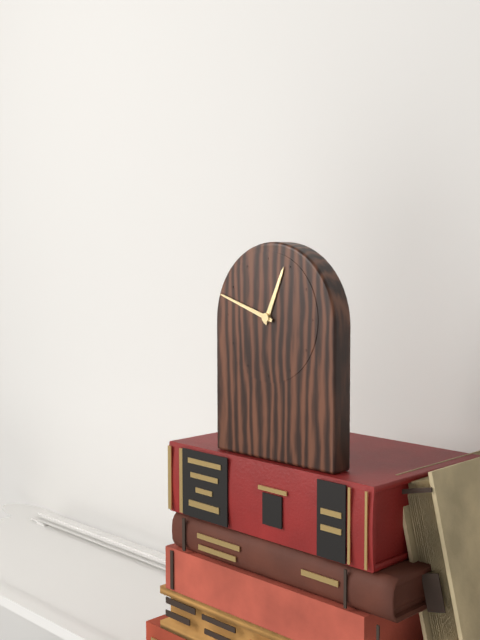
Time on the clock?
12:48
